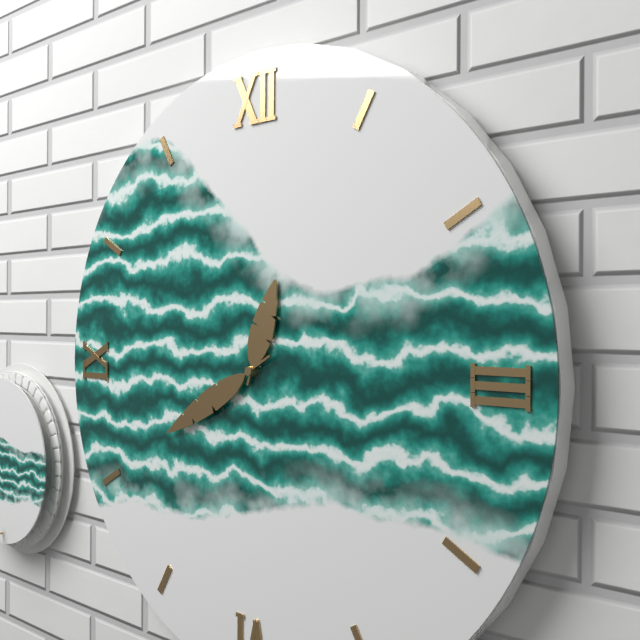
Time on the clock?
12:40
